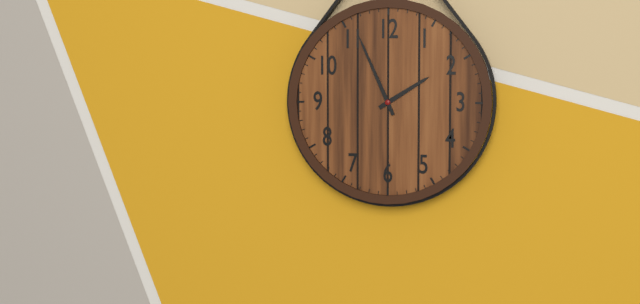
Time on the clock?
1:56
